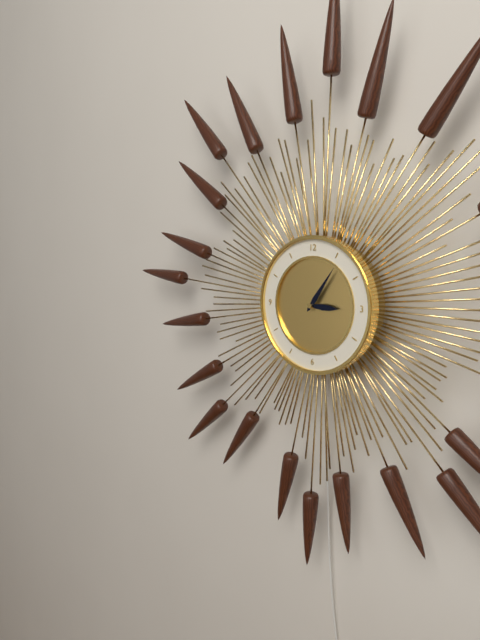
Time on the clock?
3:06
